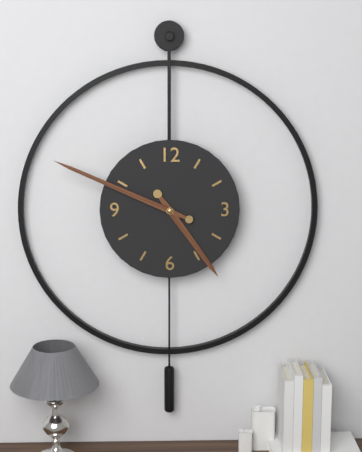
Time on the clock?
4:49
